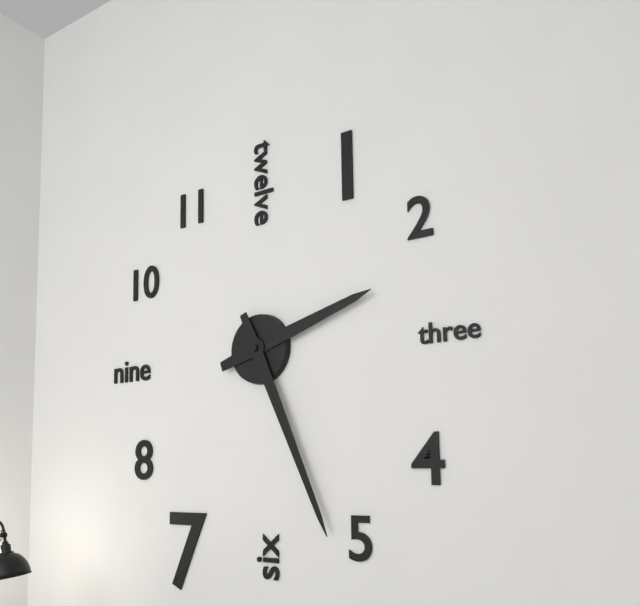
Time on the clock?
2:26
